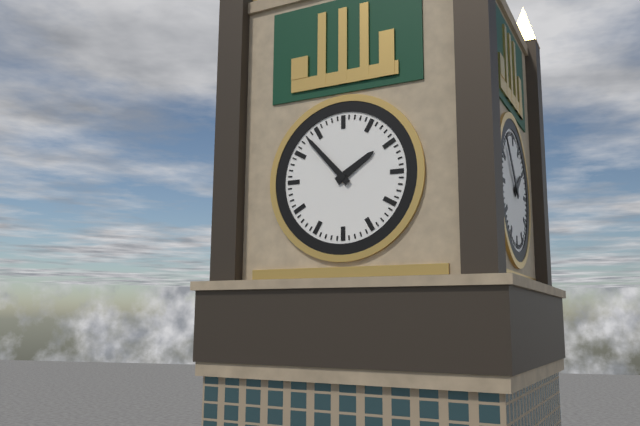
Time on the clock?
1:53
